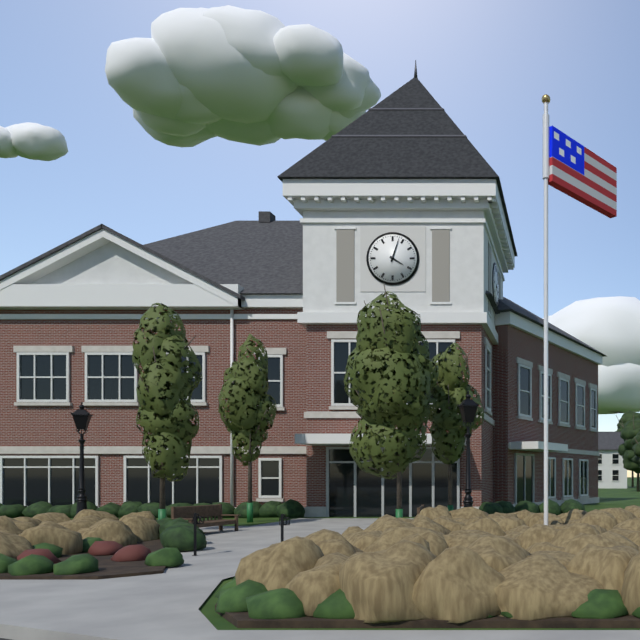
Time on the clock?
4:03
